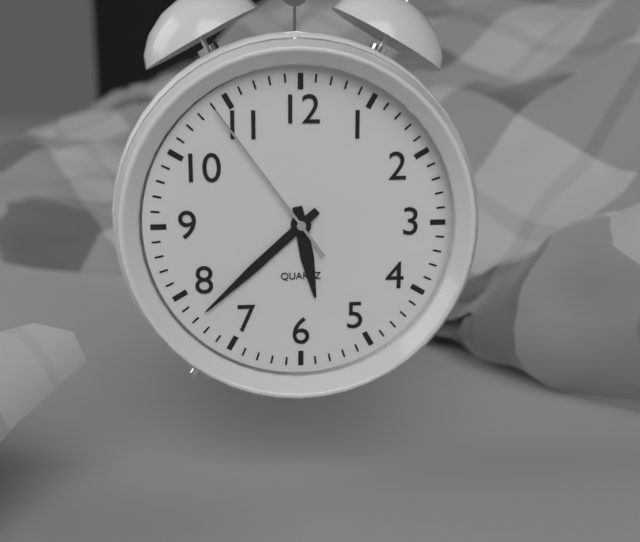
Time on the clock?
5:38:54
